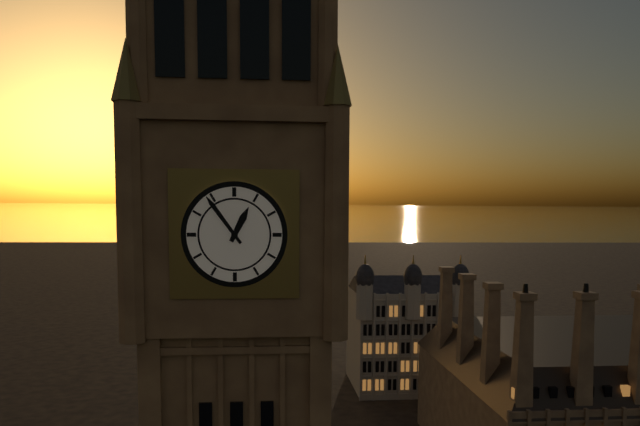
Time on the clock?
12:54
